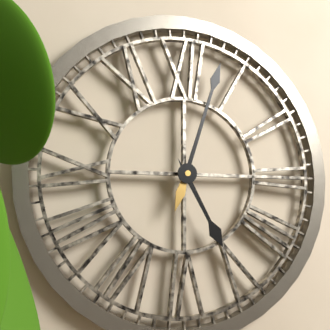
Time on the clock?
5:03
